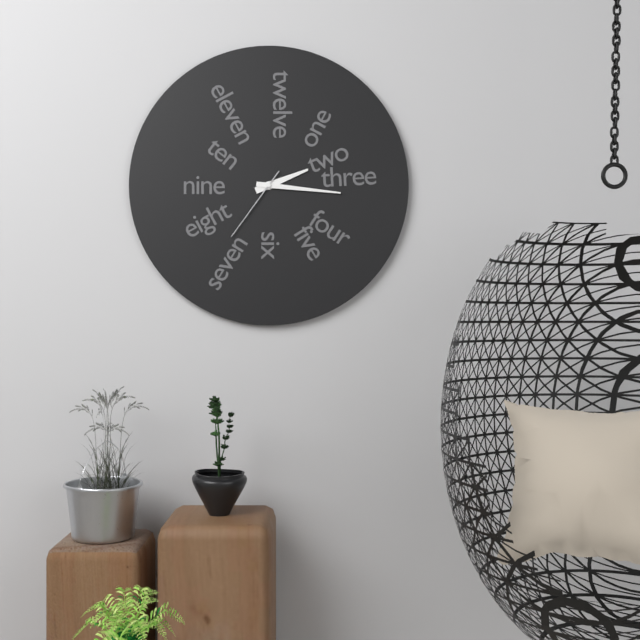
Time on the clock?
2:16:36
